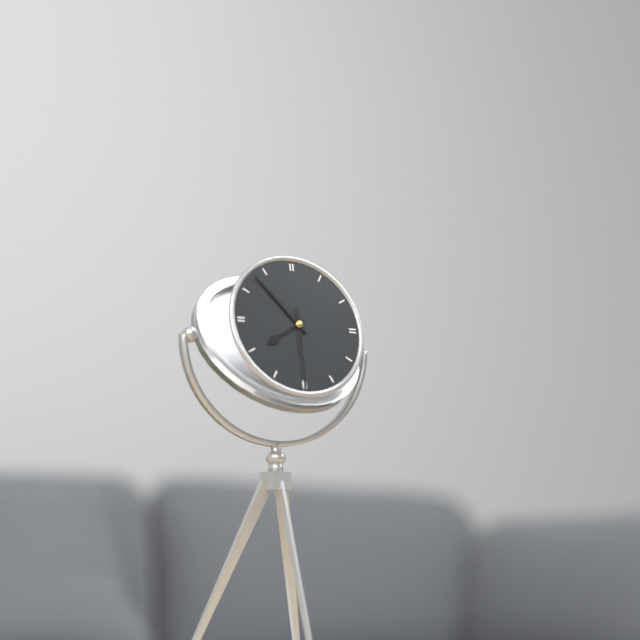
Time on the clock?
7:53:30
